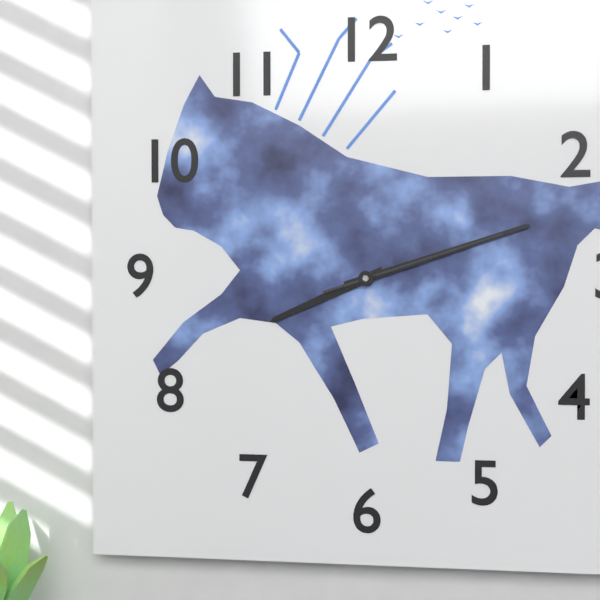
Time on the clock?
8:12:12
